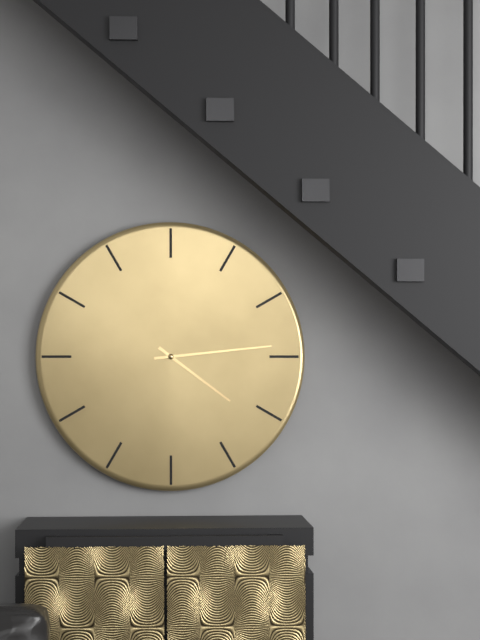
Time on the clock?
4:14
